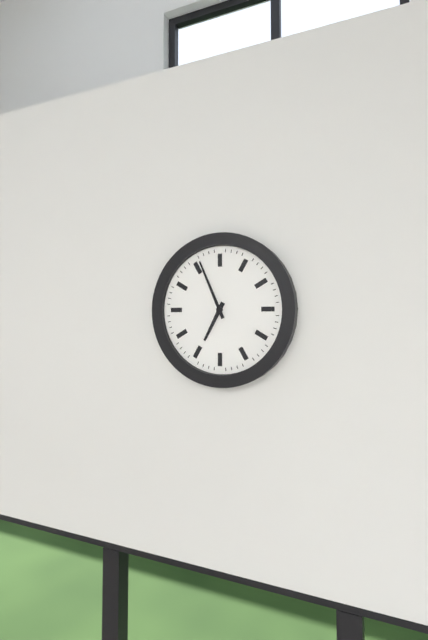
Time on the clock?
6:56
